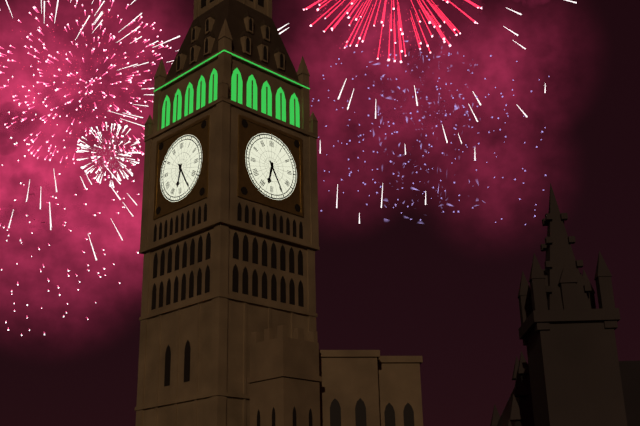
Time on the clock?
6:25
